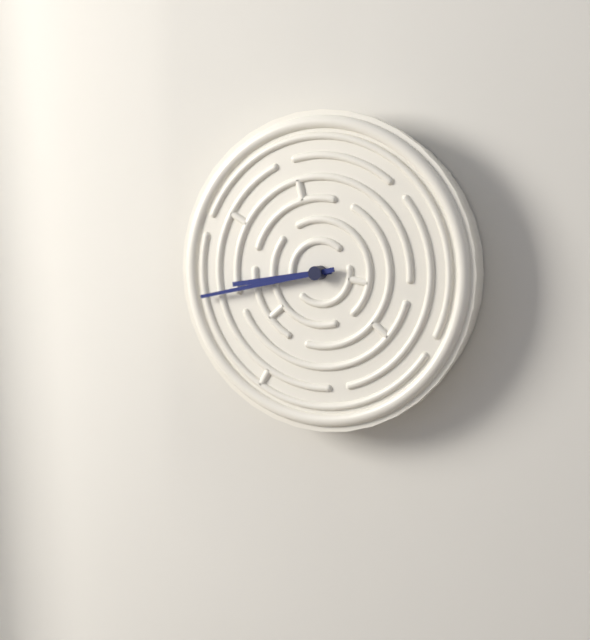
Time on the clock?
8:43
